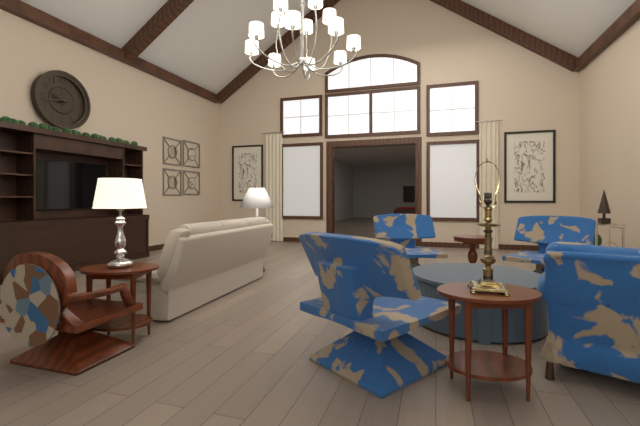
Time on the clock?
9:43
